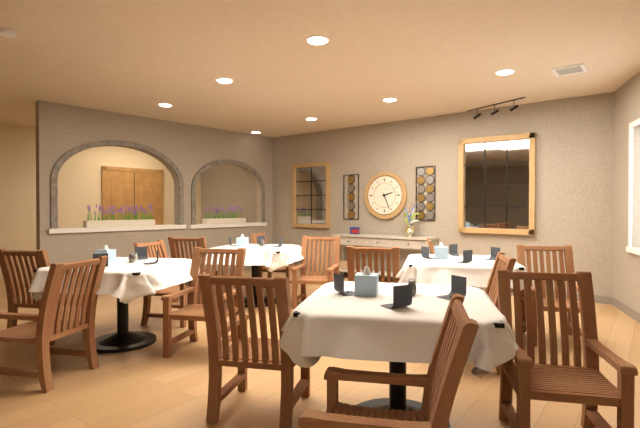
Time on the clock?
2:26
